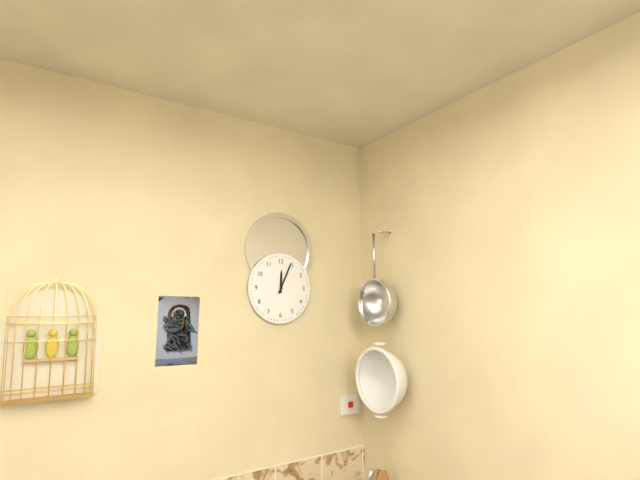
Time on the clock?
12:04
